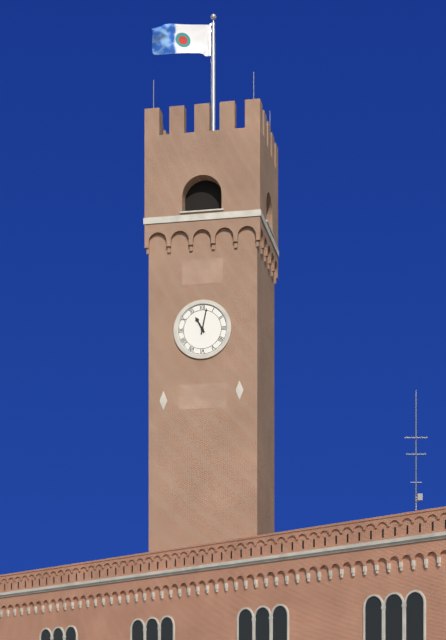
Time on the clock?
11:02
